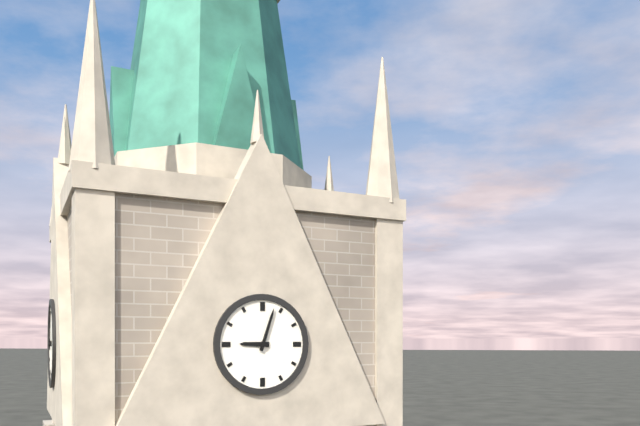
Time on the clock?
9:03
